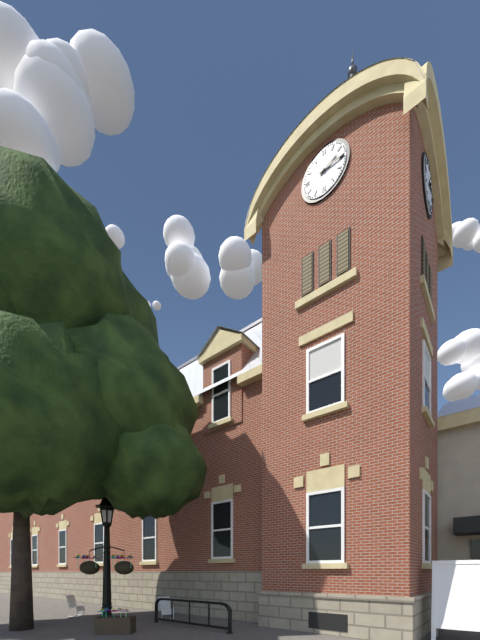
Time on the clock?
2:15
